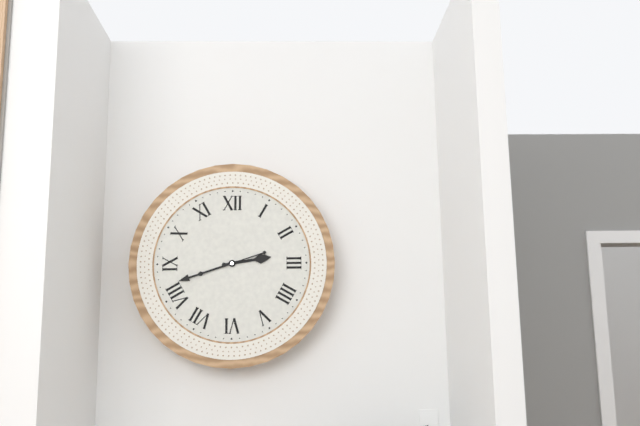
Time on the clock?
2:42
